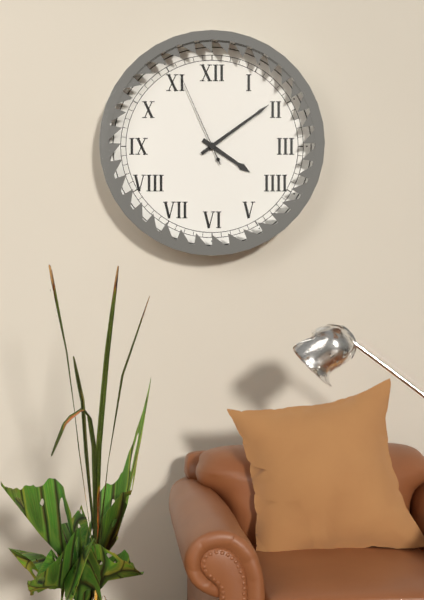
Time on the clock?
4:09:56
